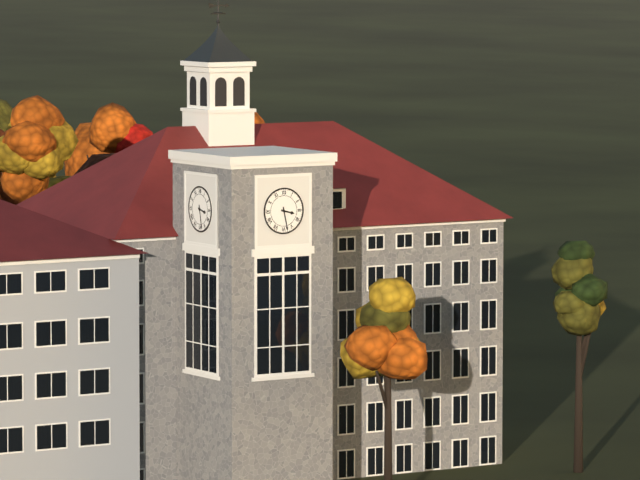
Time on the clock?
3:28
